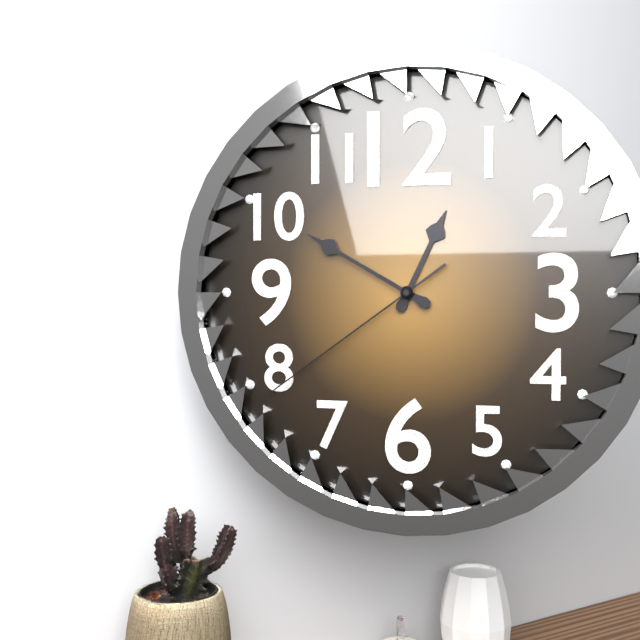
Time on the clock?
12:50:39
